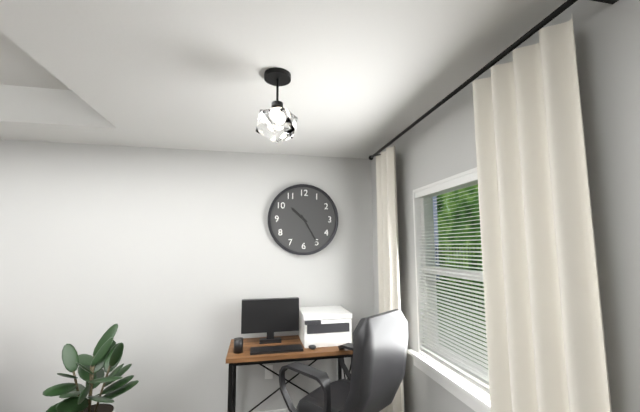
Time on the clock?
10:25
